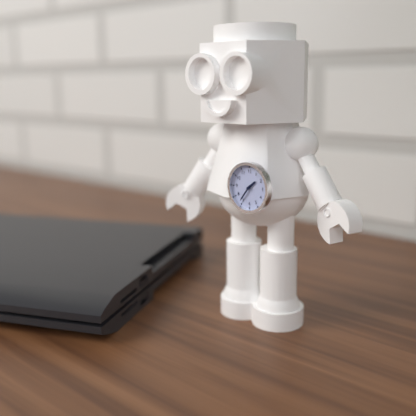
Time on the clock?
1:36
